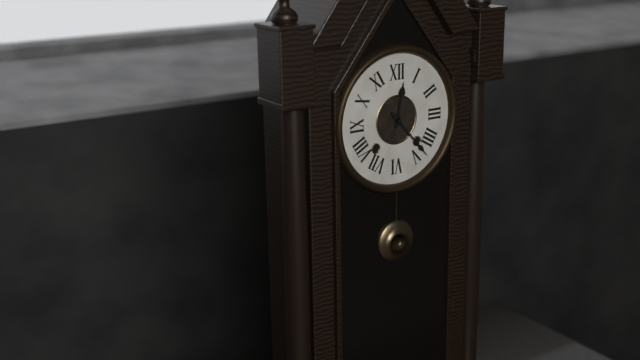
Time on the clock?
12:23
